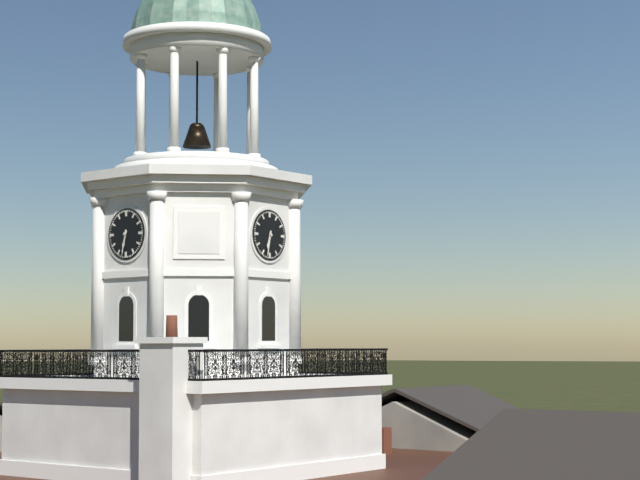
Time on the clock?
6:32
